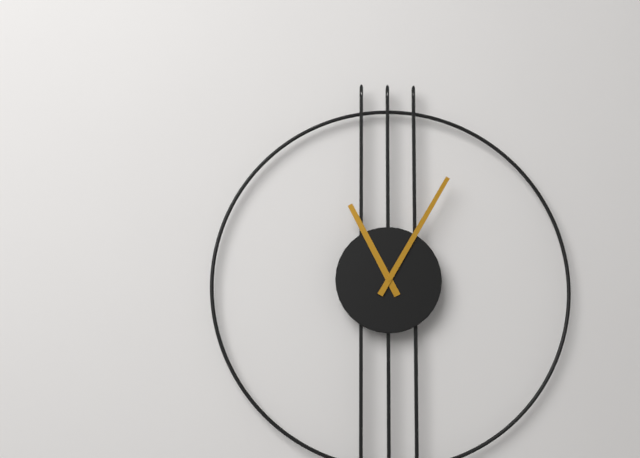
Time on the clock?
11:05
